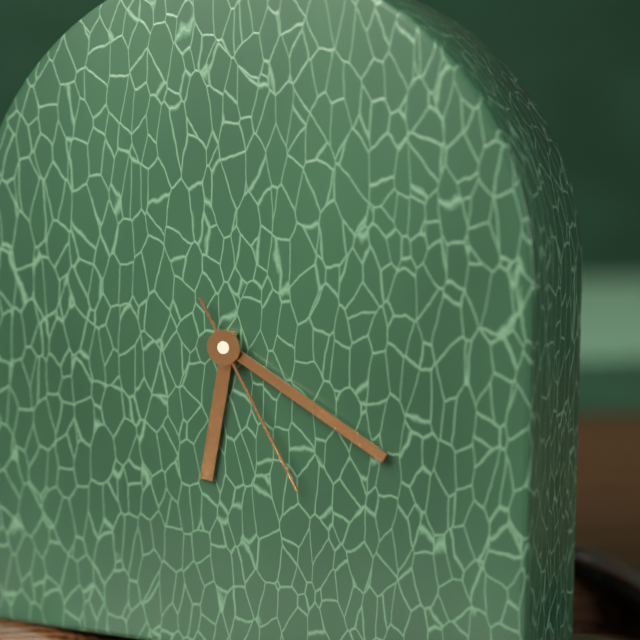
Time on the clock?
6:20:25
